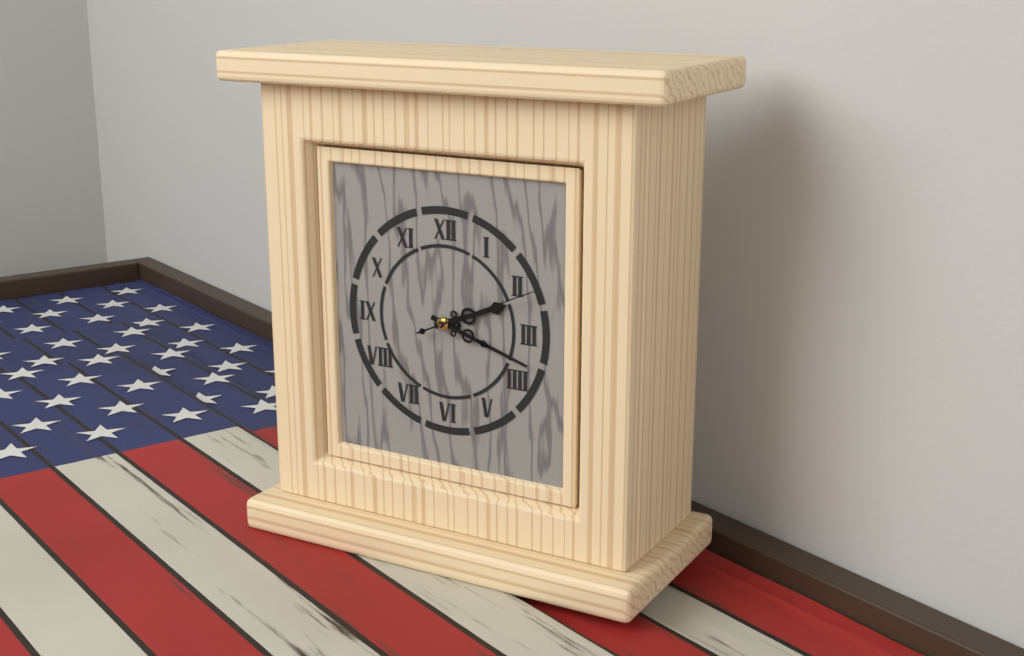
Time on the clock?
2:18:11
